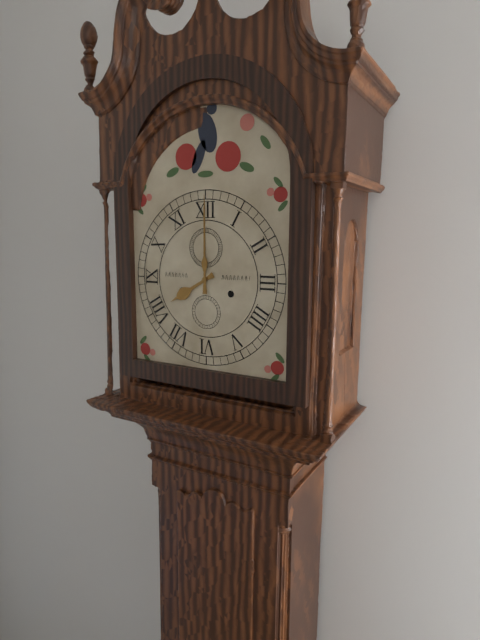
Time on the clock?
8:00
